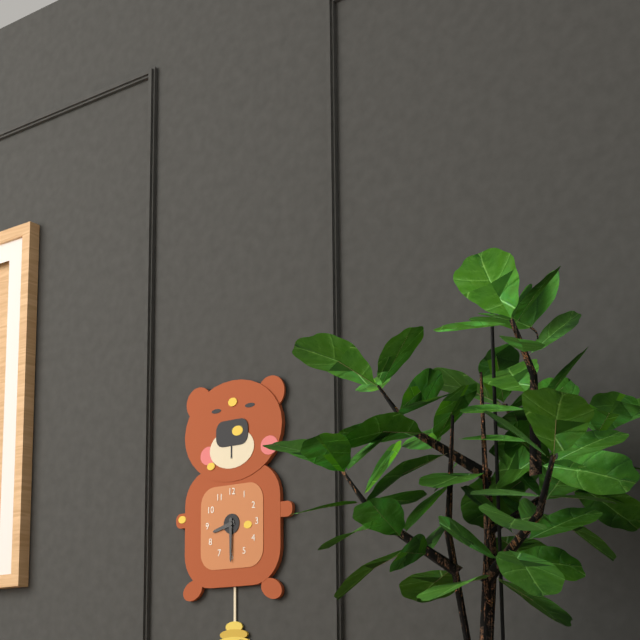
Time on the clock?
8:30
